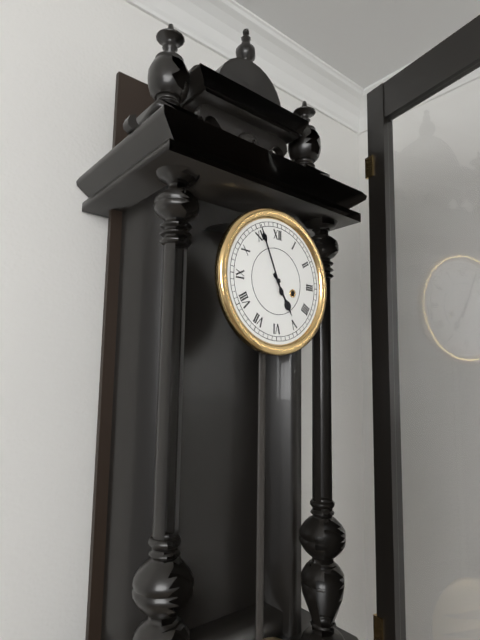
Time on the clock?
4:56
